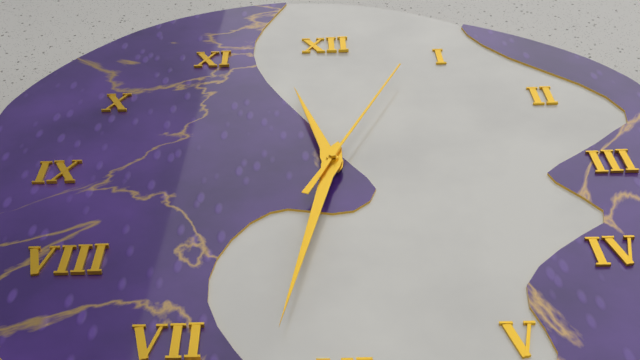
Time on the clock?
11:32:04
